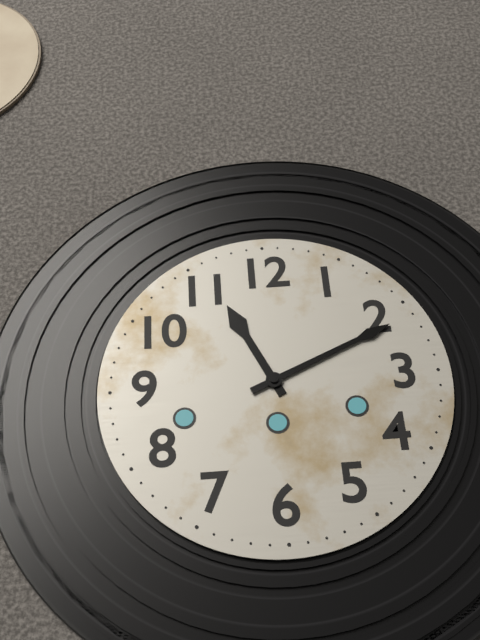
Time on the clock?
11:11
